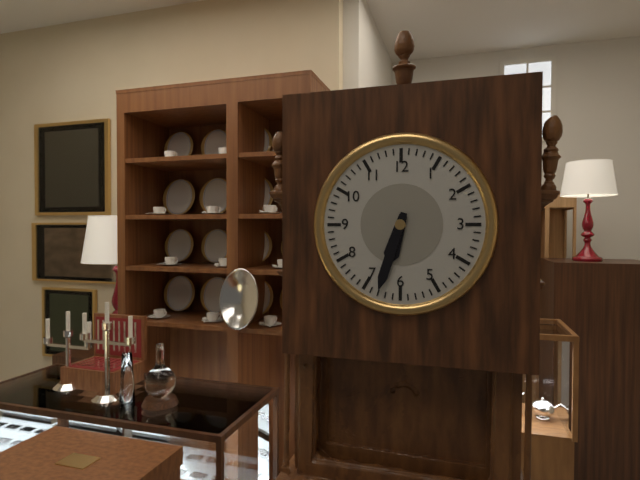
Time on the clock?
6:33
